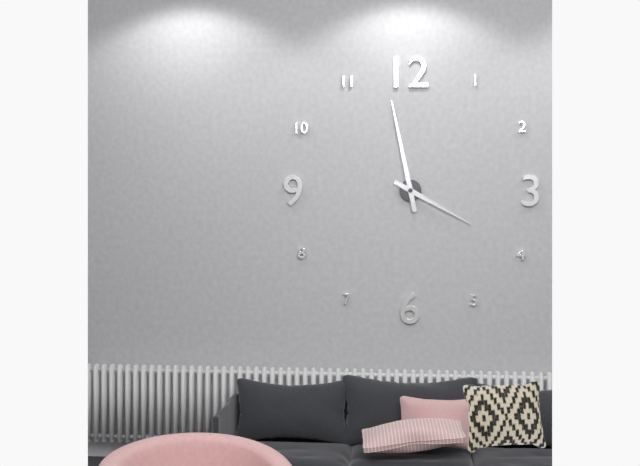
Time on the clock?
3:58
